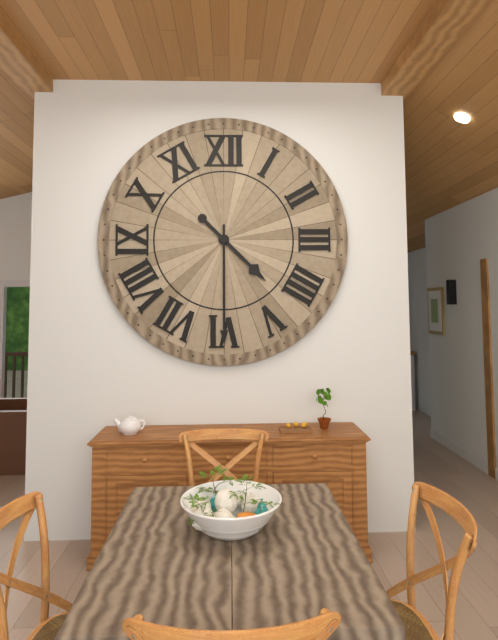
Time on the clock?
4:30
